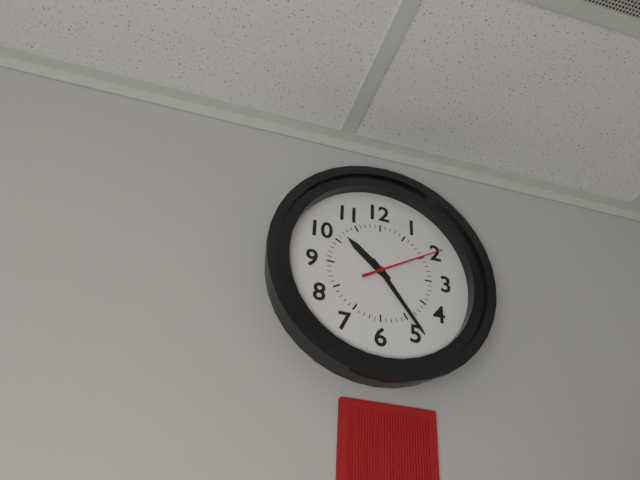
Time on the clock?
10:24:10
